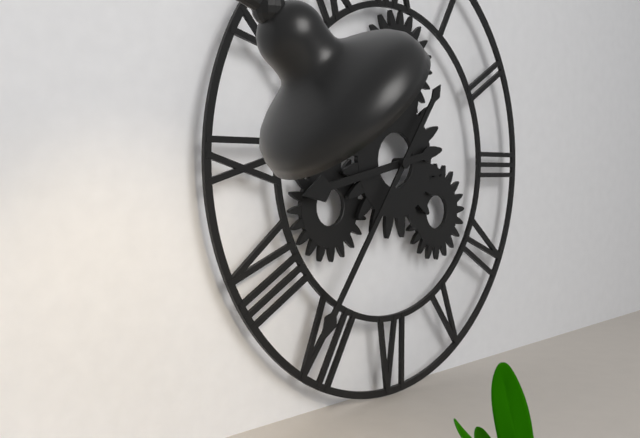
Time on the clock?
8:36
